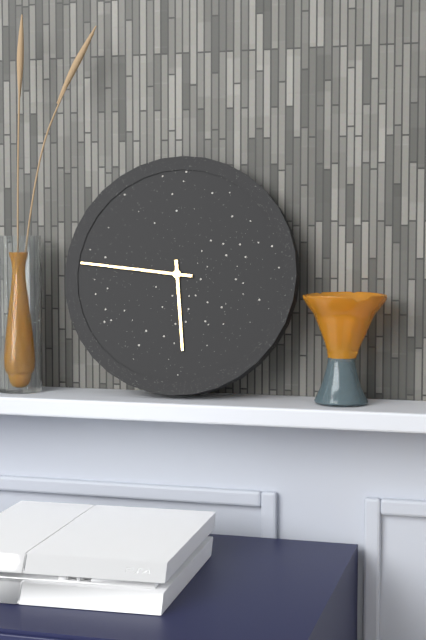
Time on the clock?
5:46
